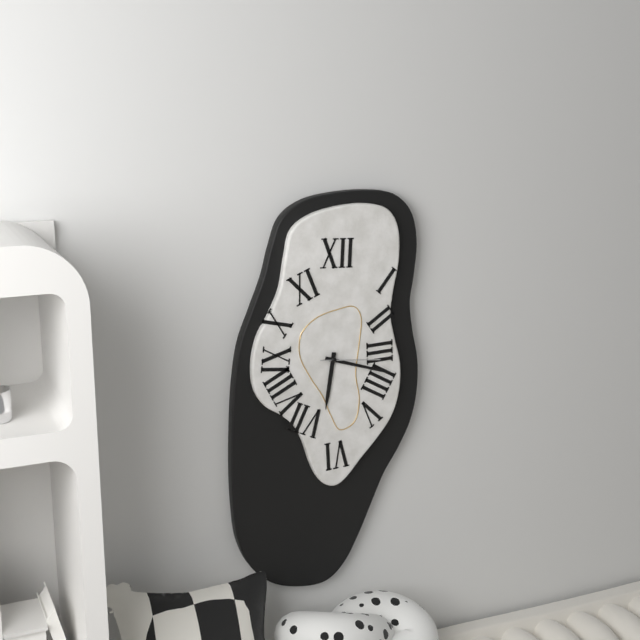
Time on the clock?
6:18:16
